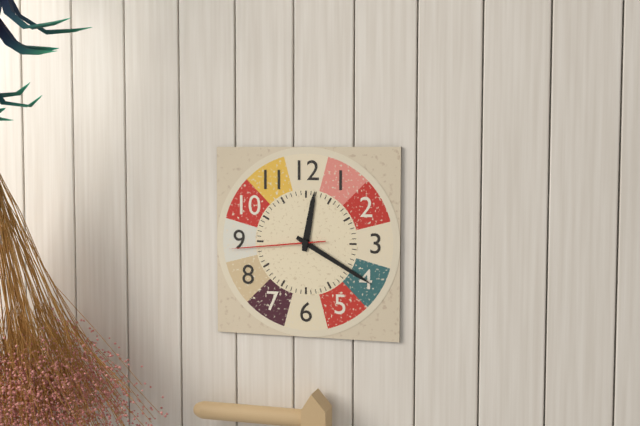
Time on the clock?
12:20:44
